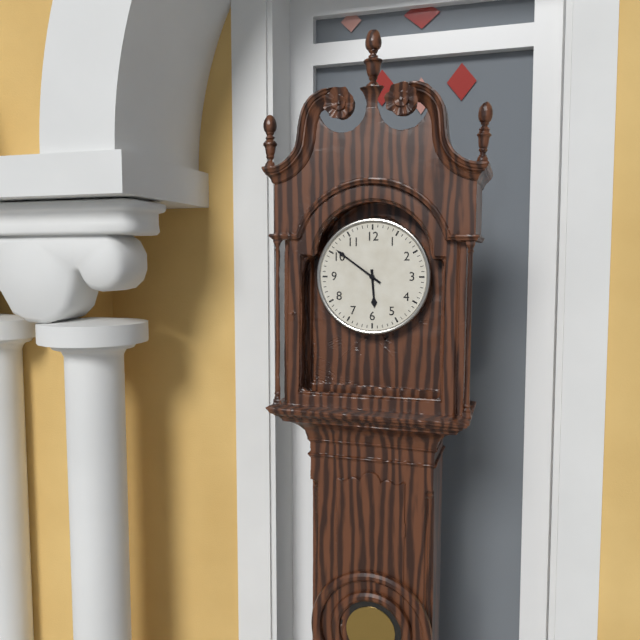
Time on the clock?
5:51
